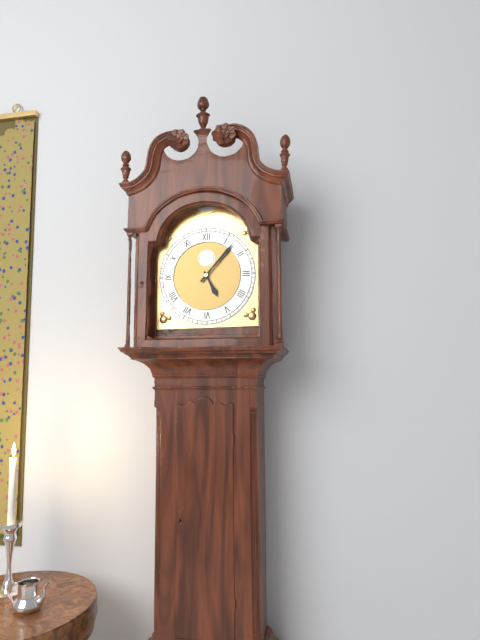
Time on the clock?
5:07
